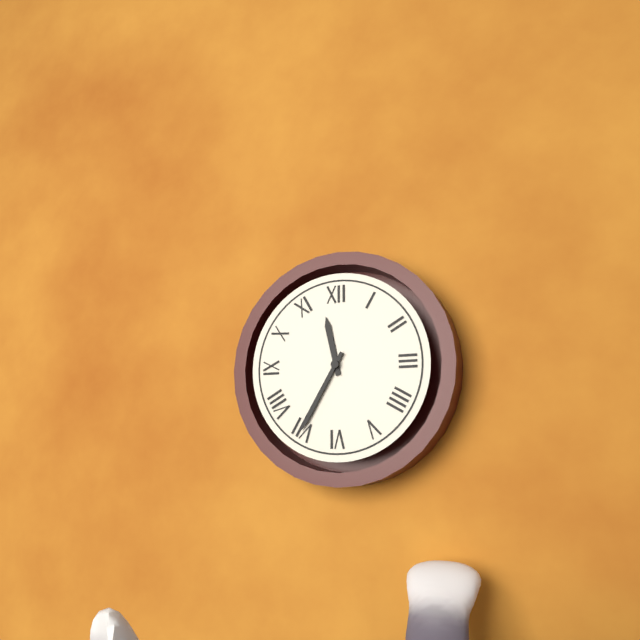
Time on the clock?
11:35
